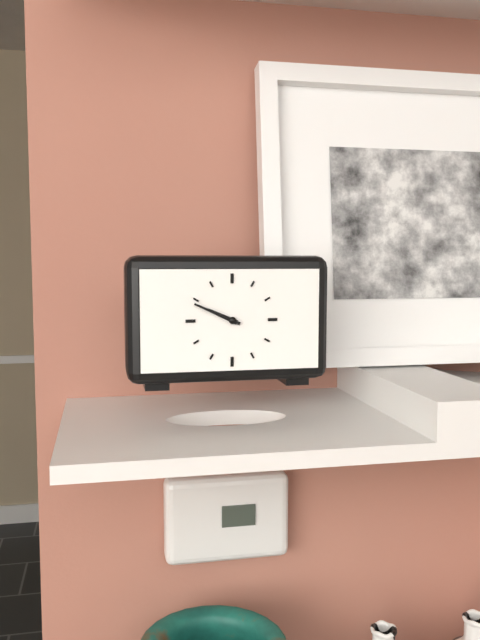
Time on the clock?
9:49
